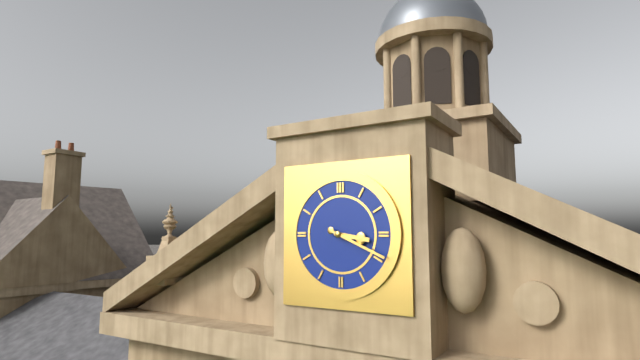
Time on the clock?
3:19
